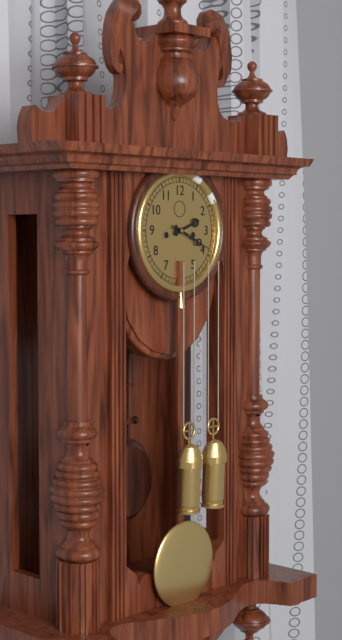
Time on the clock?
2:19
